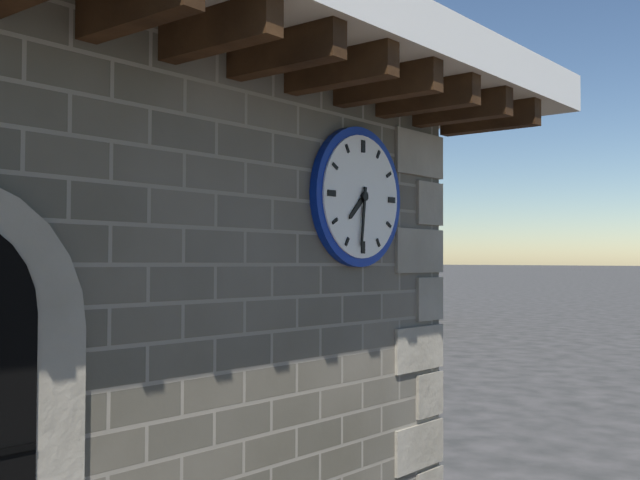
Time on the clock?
7:31
